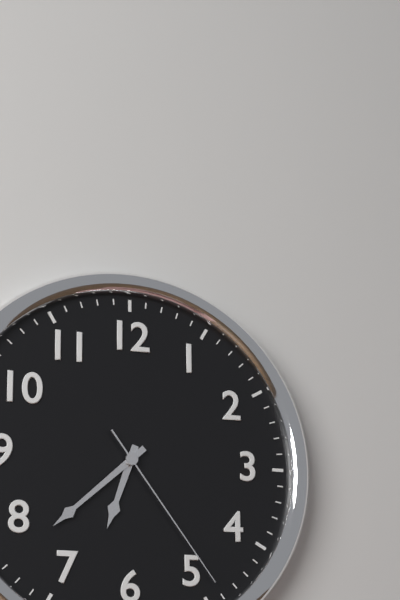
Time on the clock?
6:38:24
